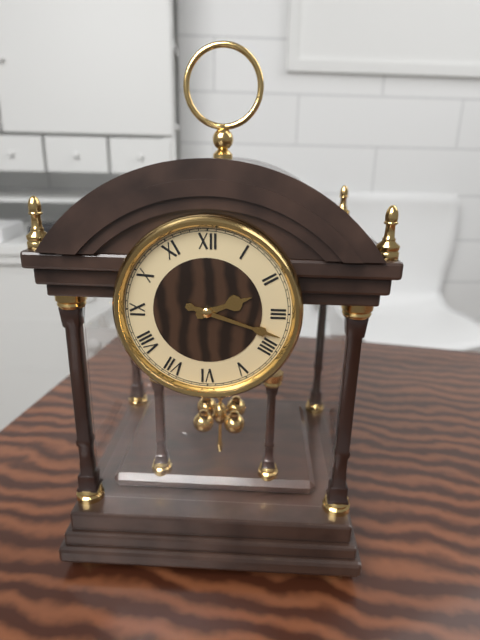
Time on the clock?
2:18
